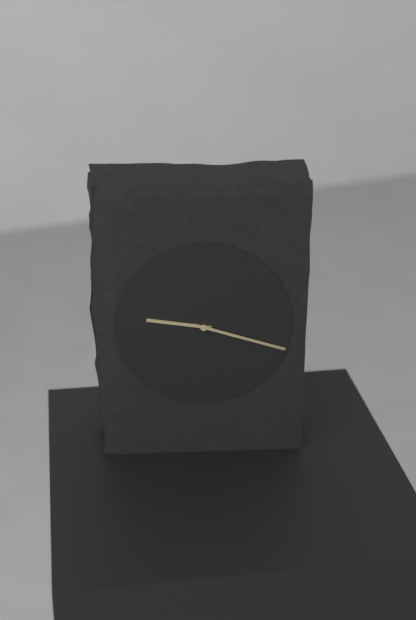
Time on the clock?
9:18
